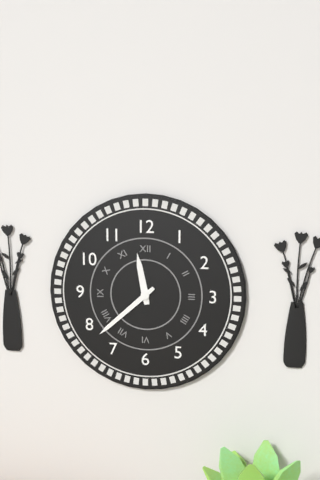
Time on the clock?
11:38
